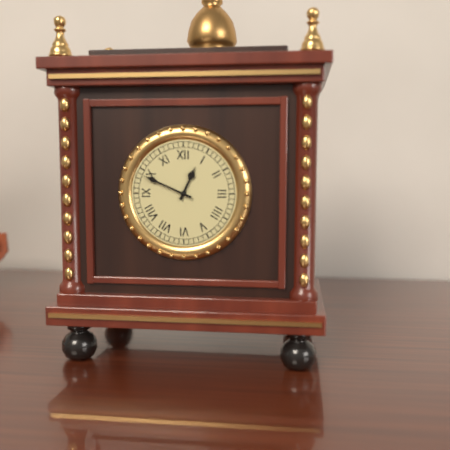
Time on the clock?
12:49
